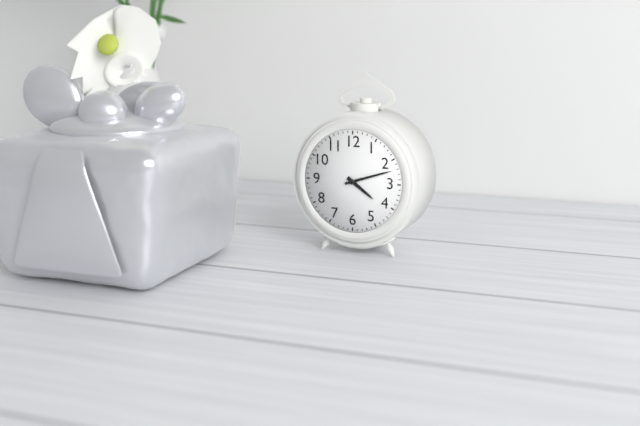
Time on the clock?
4:12
